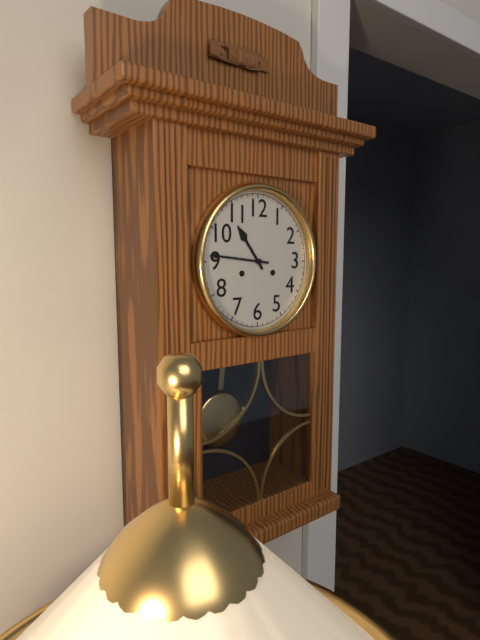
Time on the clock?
10:46
